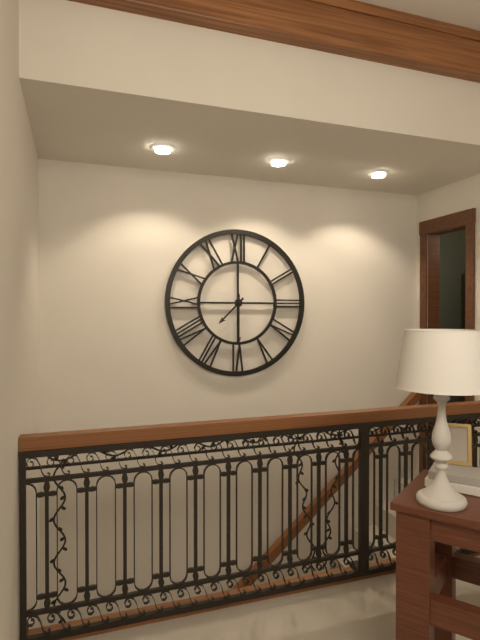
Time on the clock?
7:30
